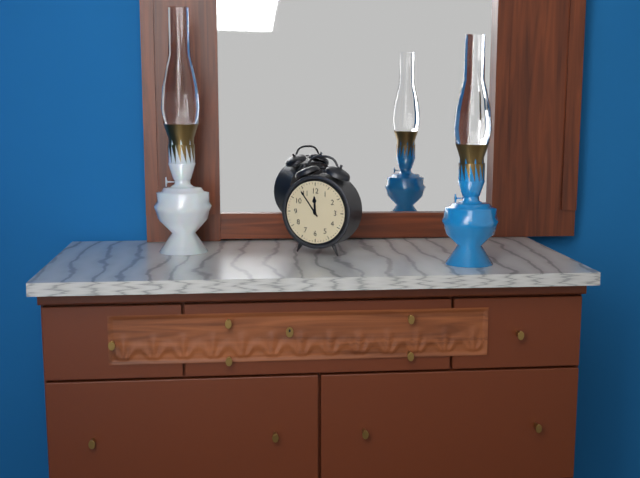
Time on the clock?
11:54
